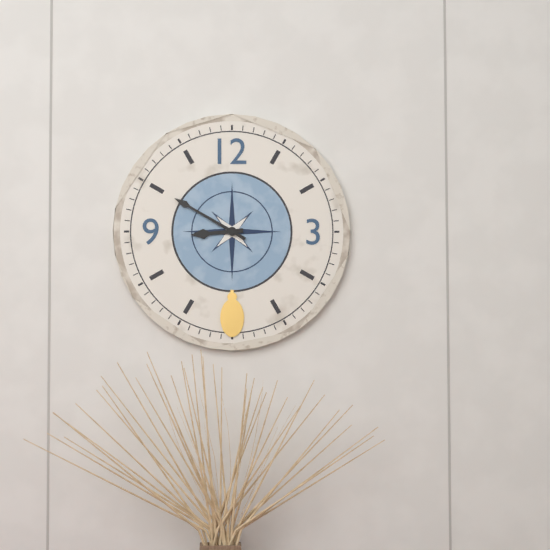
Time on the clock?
8:50
